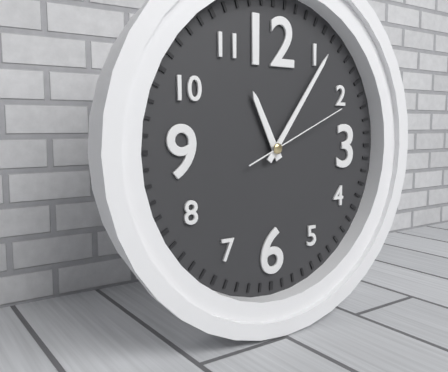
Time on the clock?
11:06:11
